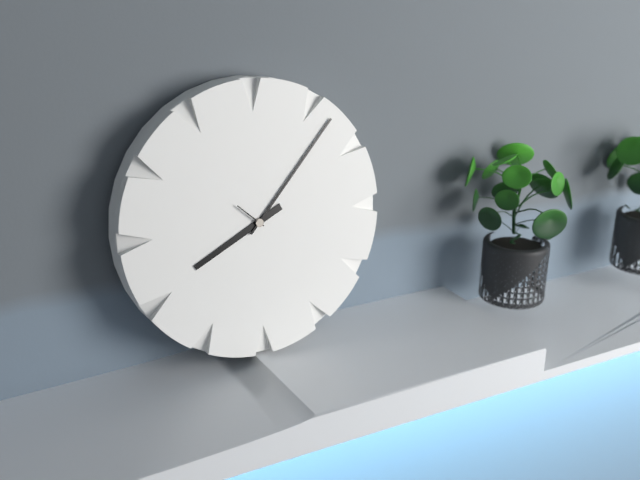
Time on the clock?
8:07
